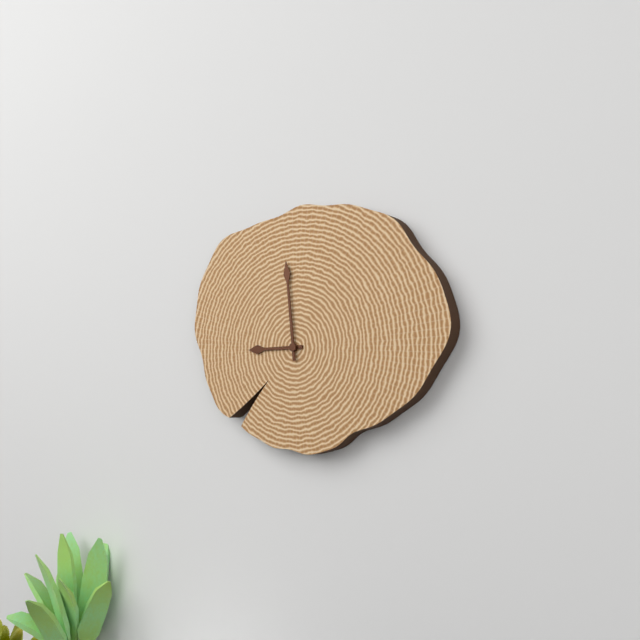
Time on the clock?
8:59
